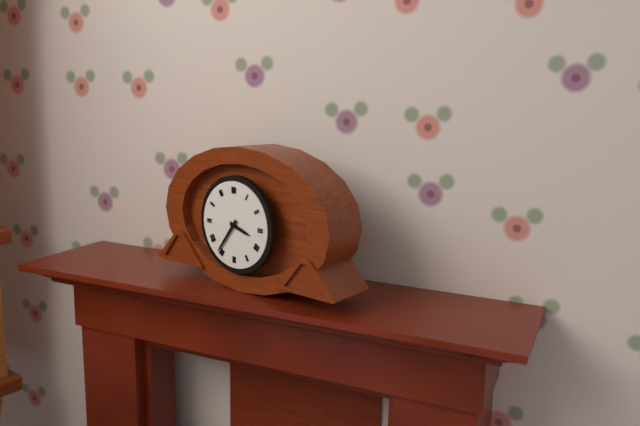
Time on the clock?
3:36
